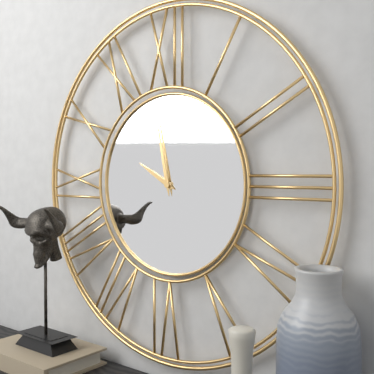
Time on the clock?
9:58
